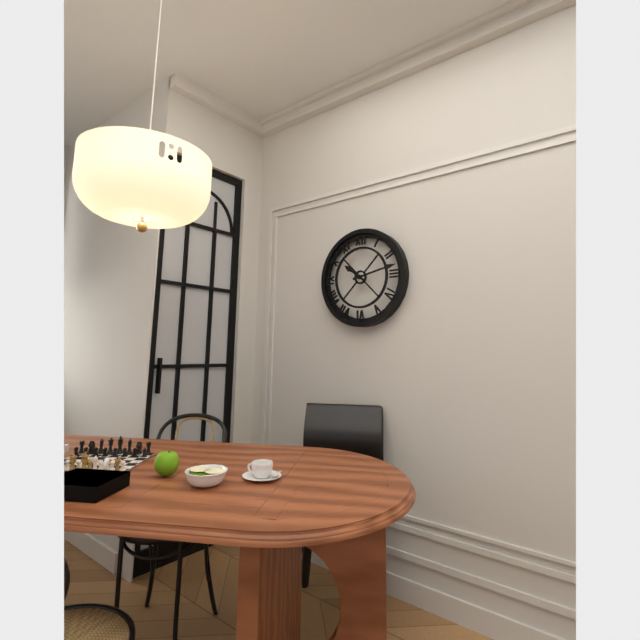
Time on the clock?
10:13
